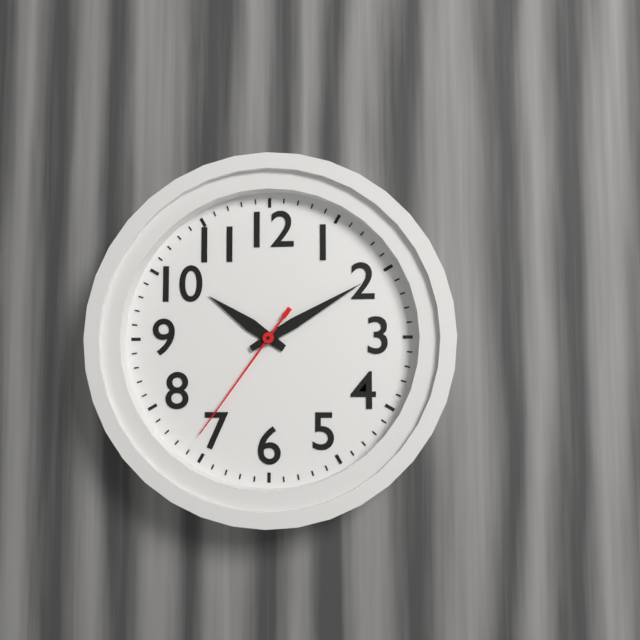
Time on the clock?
10:10:36
